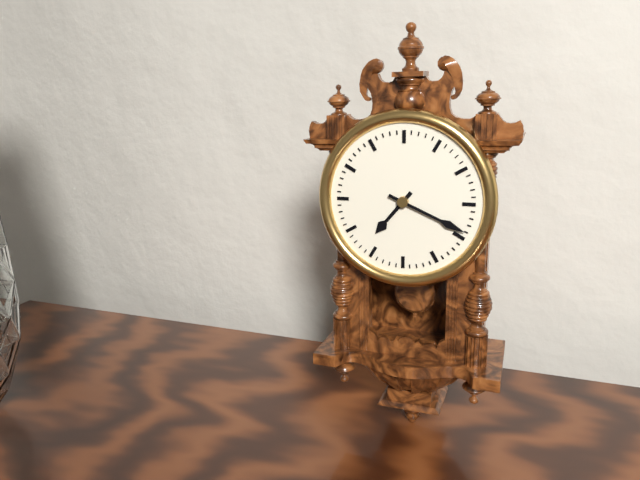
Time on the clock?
7:19
